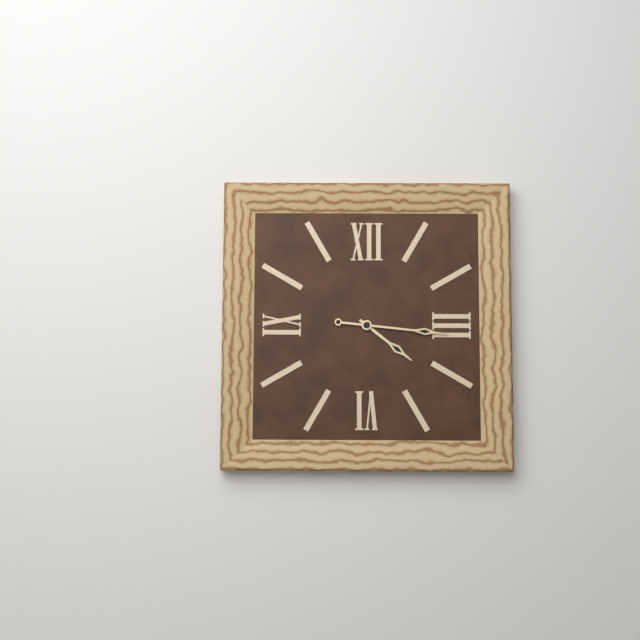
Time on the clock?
4:16
